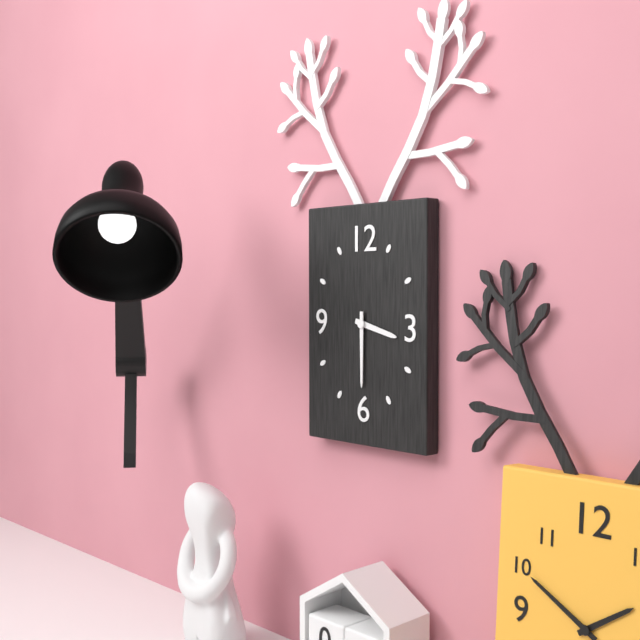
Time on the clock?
3:30
